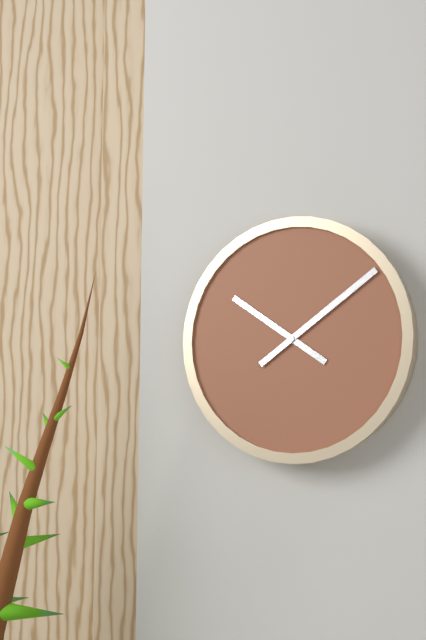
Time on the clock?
10:09
